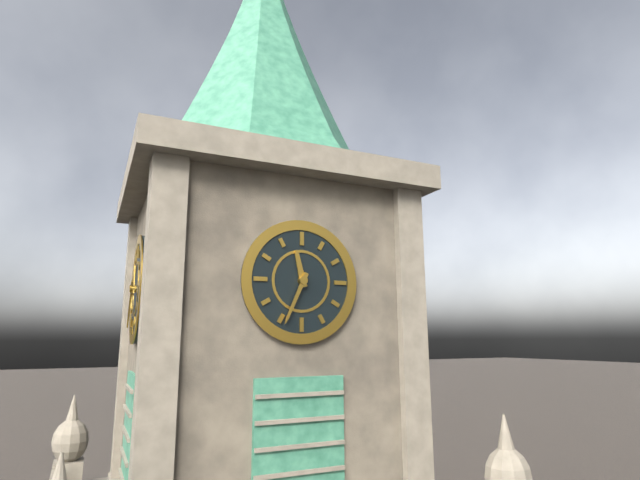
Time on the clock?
11:34
